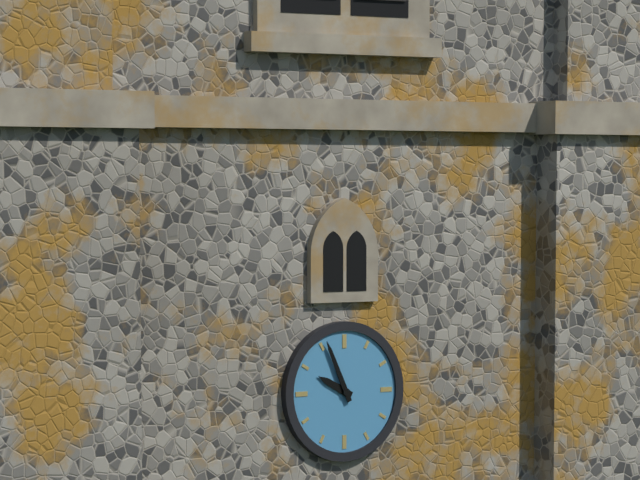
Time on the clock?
9:56
